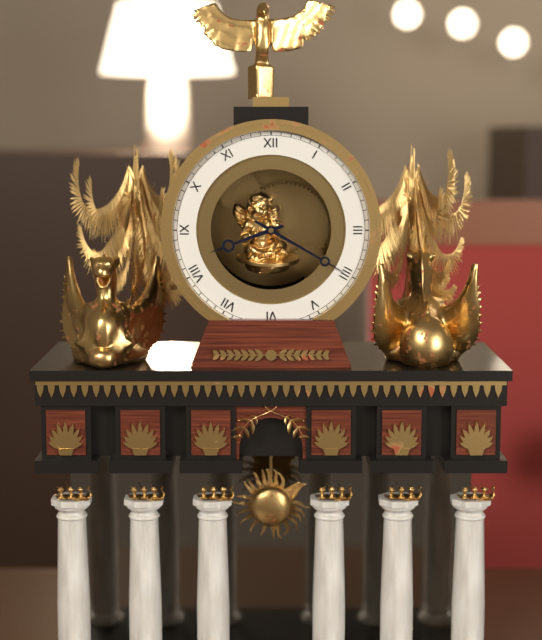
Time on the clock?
8:20
